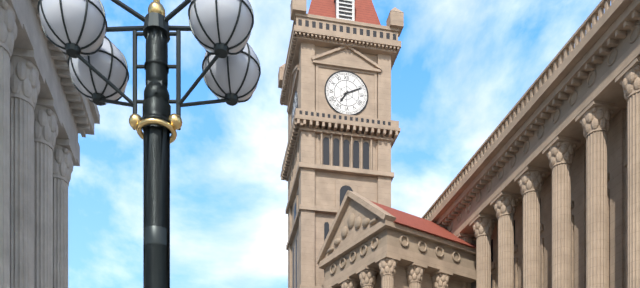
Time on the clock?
7:11
